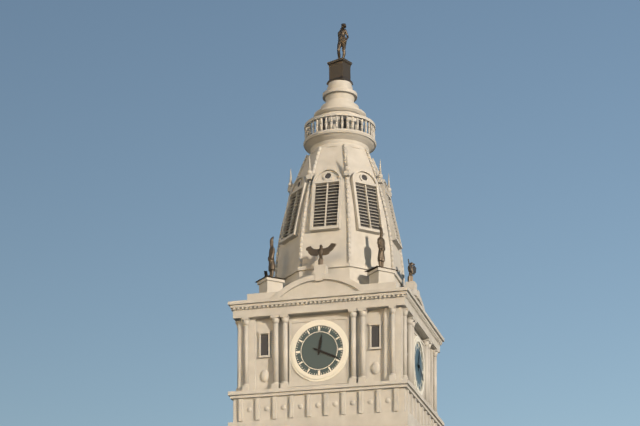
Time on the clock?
12:19
